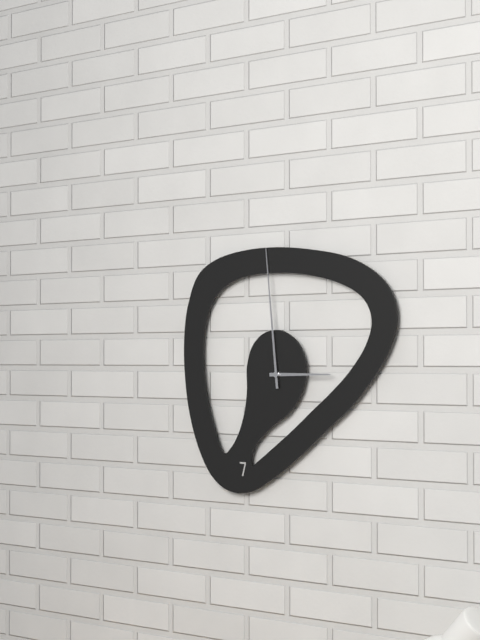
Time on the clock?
2:59
